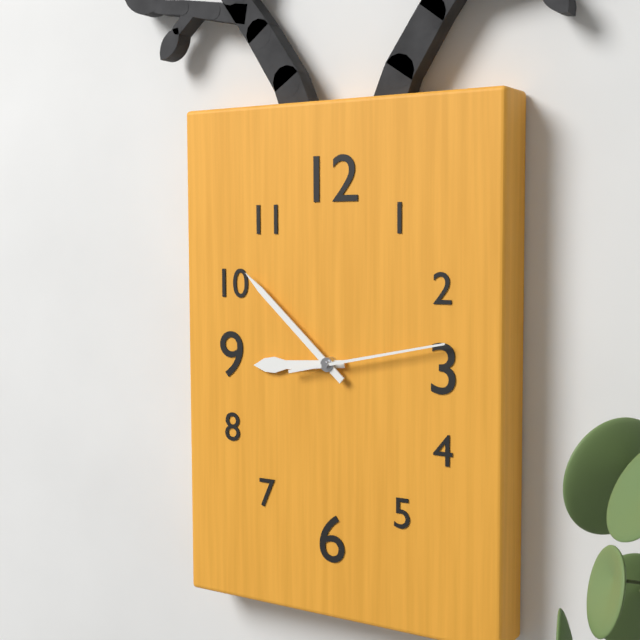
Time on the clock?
8:52:13
